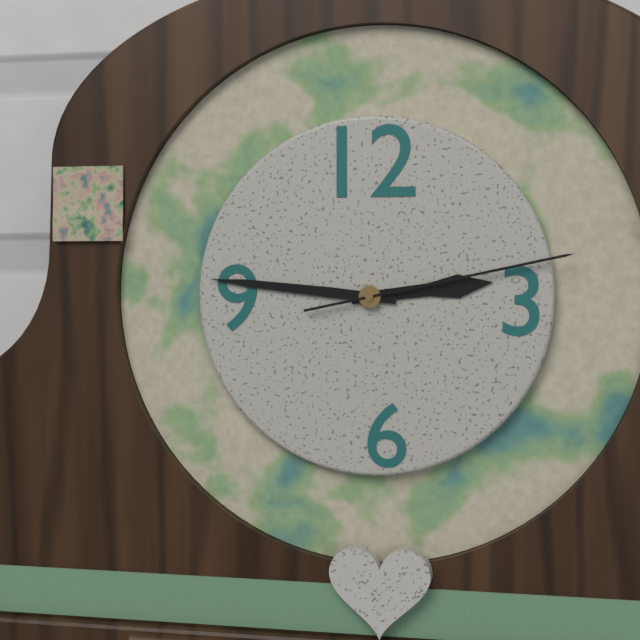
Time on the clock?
2:46:13
